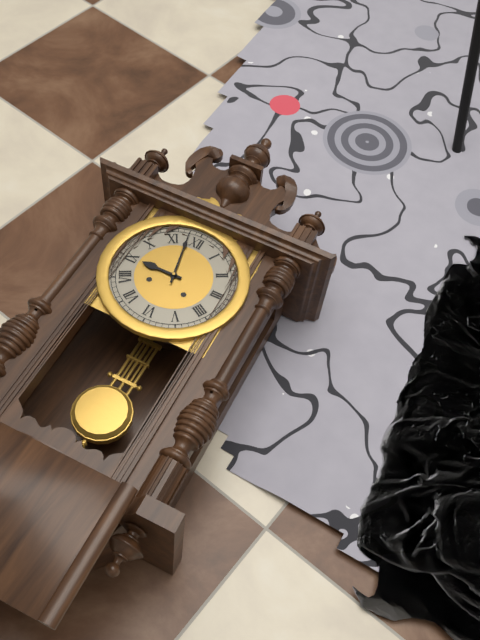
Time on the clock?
8:58
